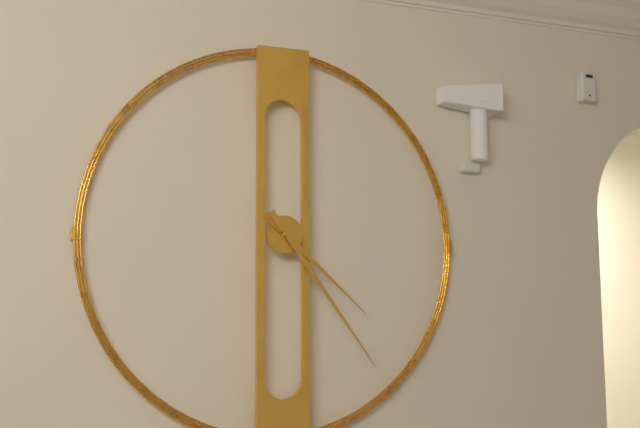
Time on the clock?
4:24
